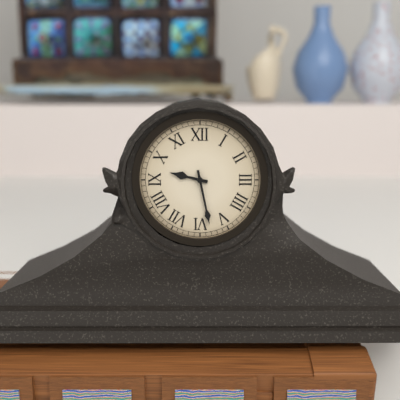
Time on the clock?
9:28
